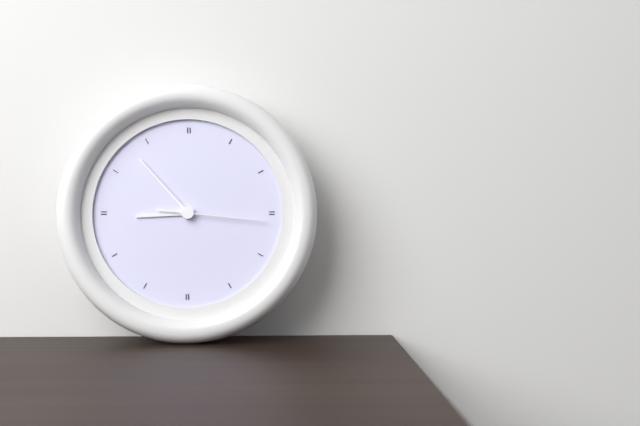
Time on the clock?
8:53:16
